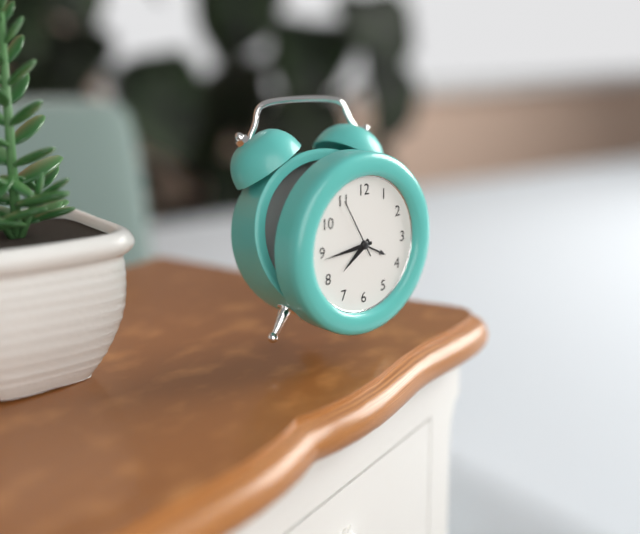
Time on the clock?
7:44:55
